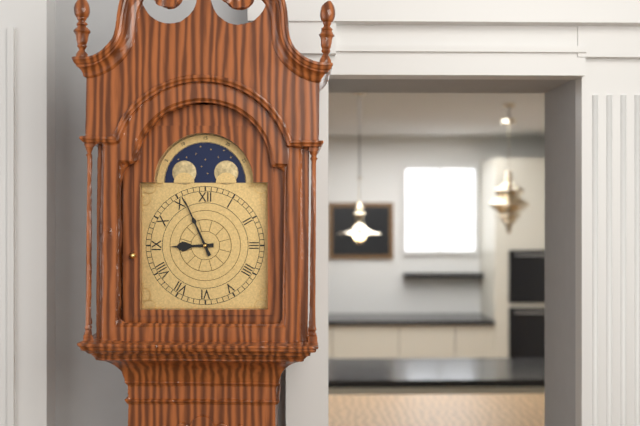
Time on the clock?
8:56
